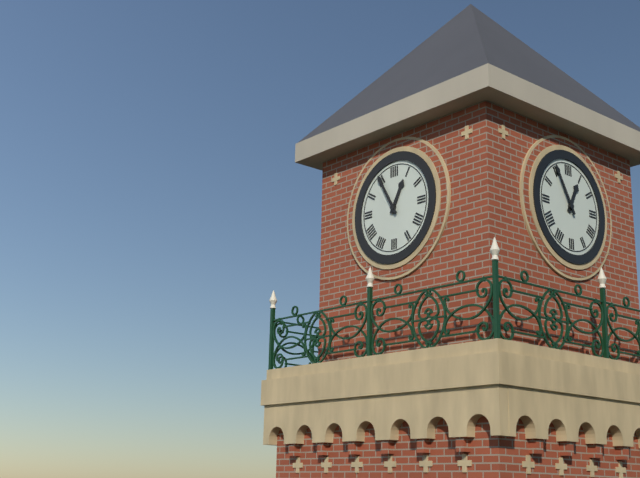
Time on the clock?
12:55
